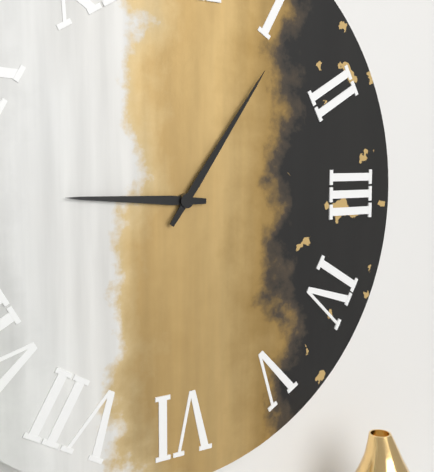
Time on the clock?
9:06
